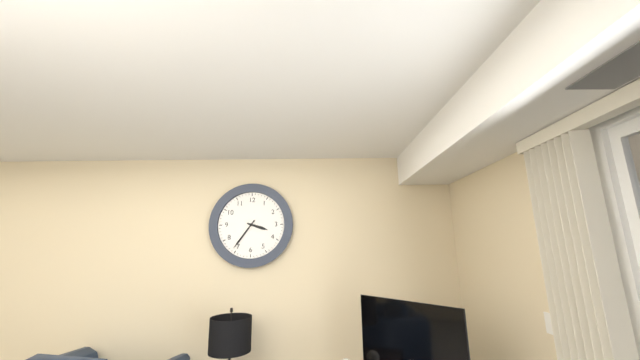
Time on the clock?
3:36
